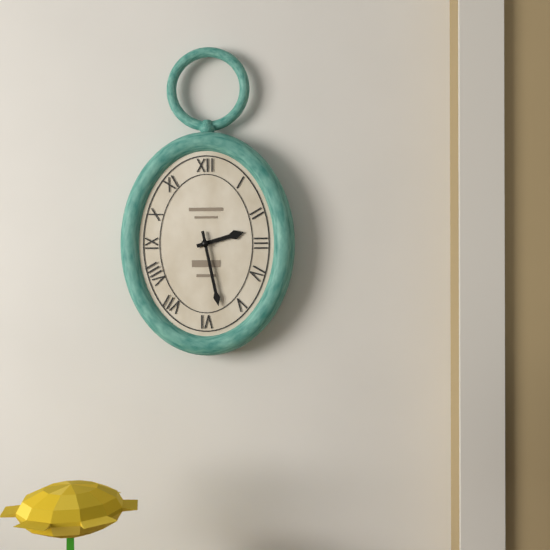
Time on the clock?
2:28
